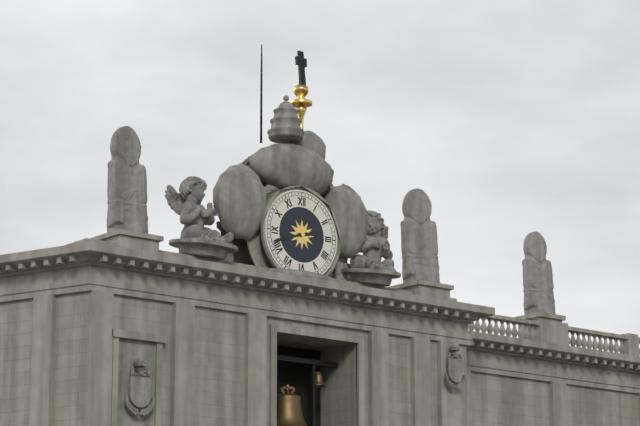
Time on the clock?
2:42
